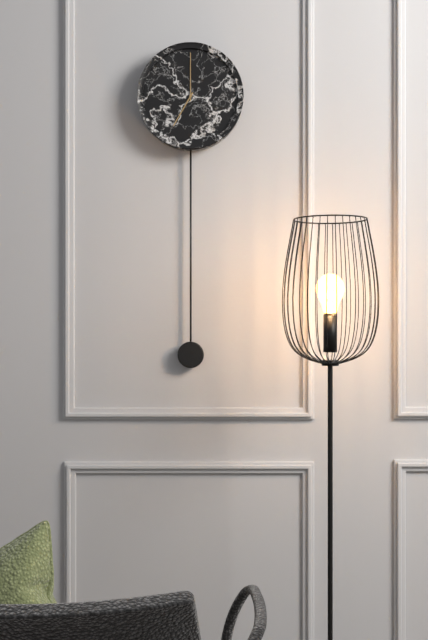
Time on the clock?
7:00
